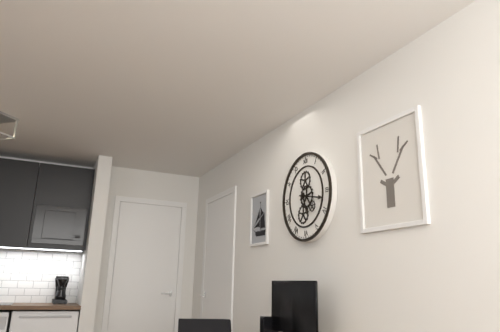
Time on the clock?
5:17
